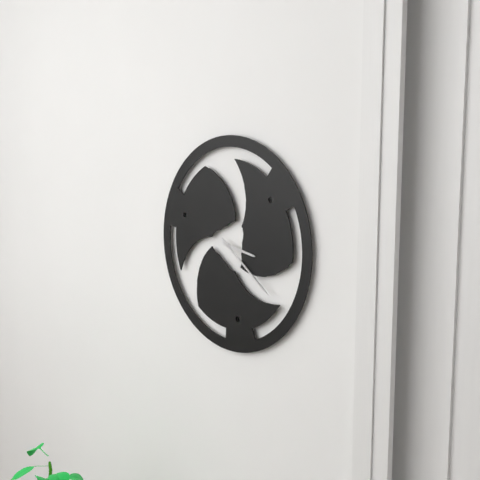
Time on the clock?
3:21
